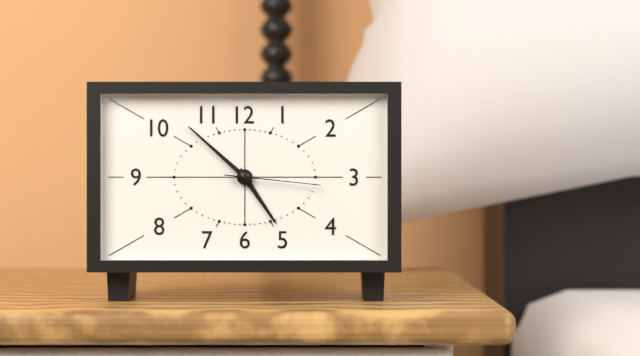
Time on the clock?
4:52:16
